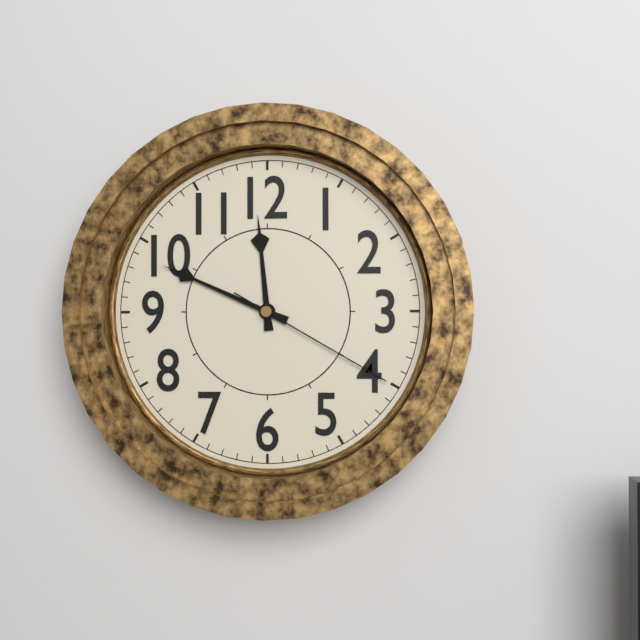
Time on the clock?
11:49:20
